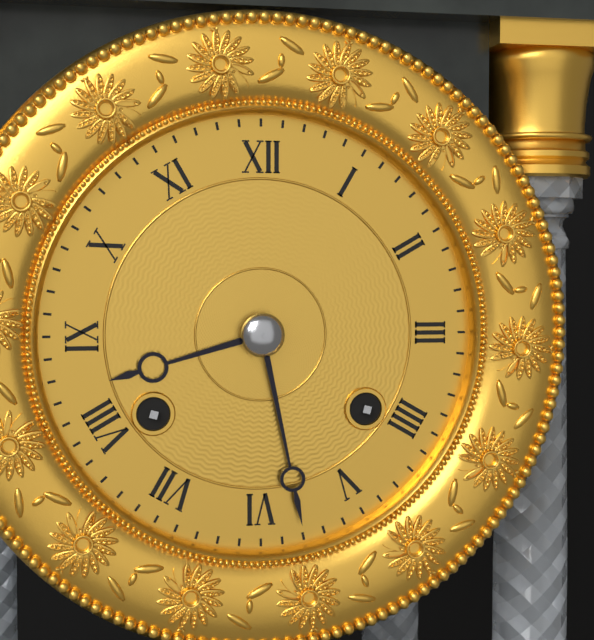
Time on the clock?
8:28
